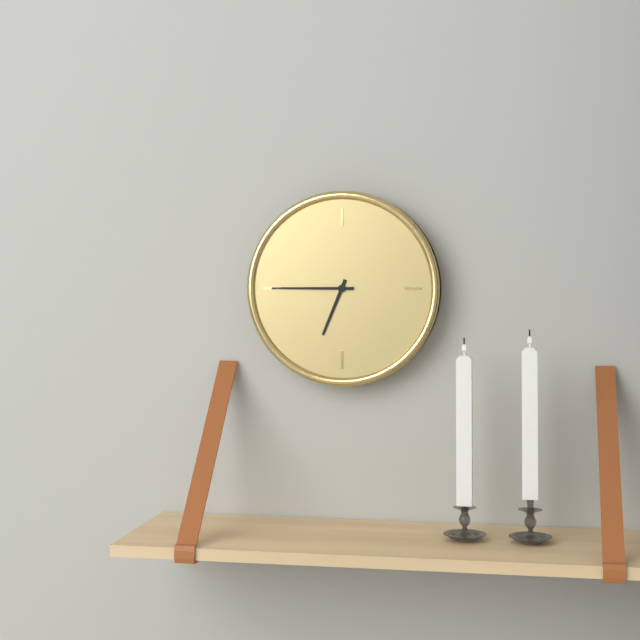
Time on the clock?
6:45
